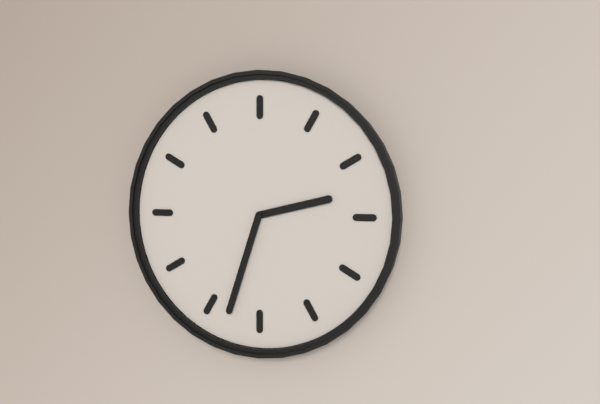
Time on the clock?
2:33
